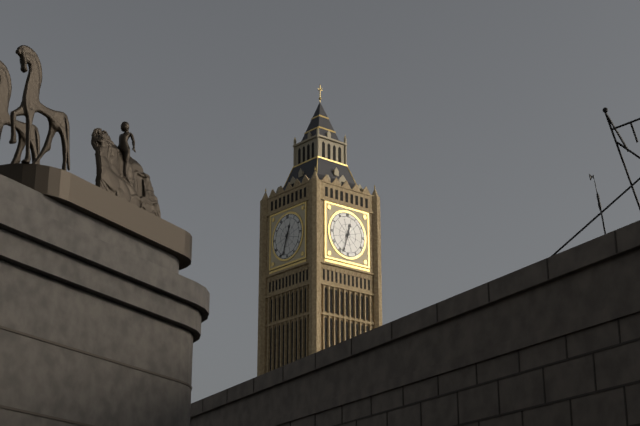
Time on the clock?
12:33
